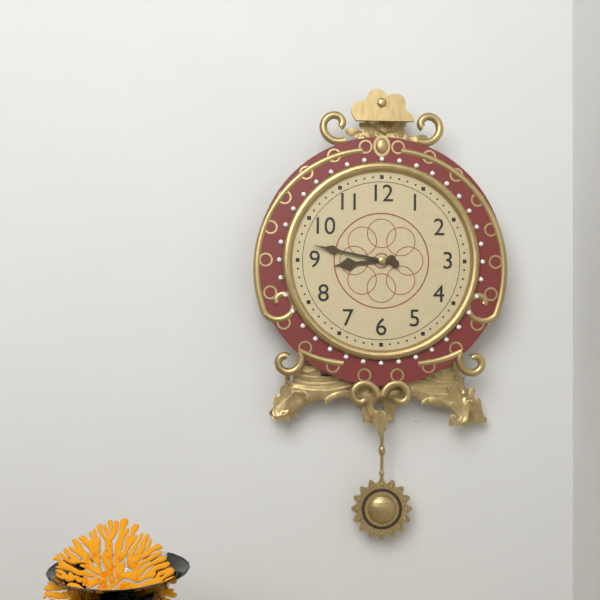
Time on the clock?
8:47
